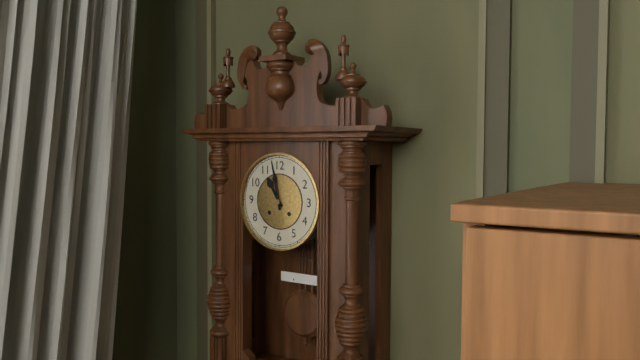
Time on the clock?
10:58
